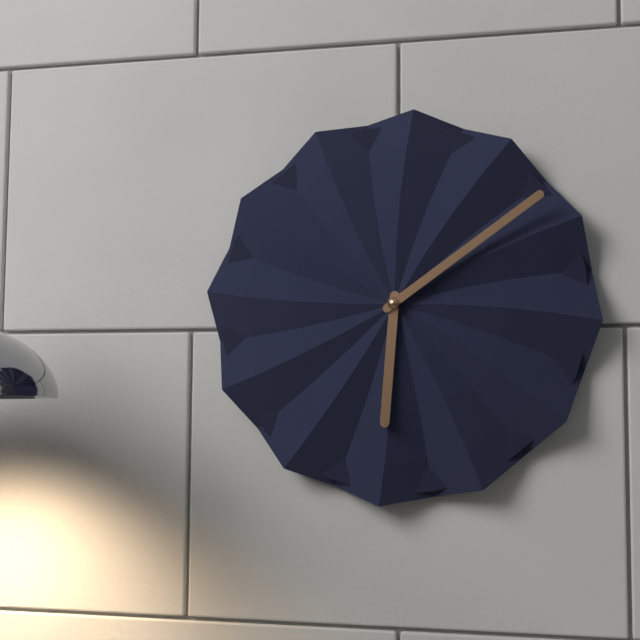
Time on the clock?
6:09
